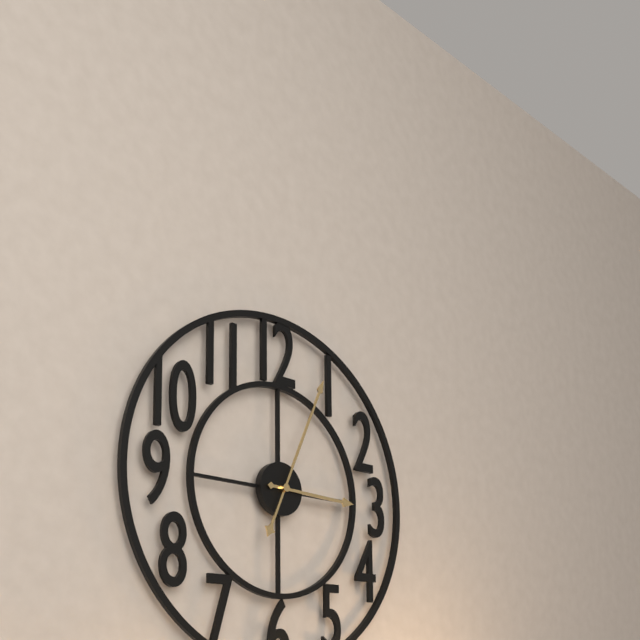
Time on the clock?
3:04
